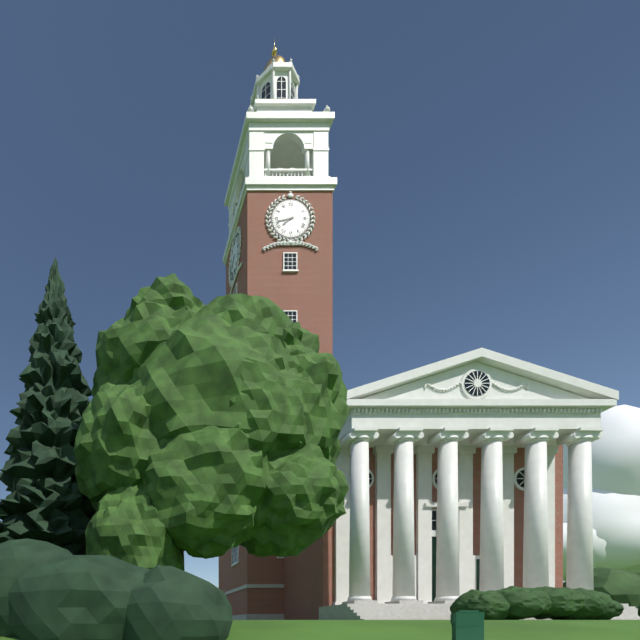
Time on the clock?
7:43
